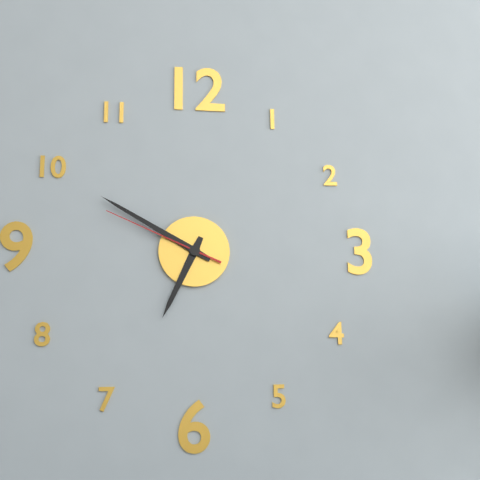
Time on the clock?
6:50:49
